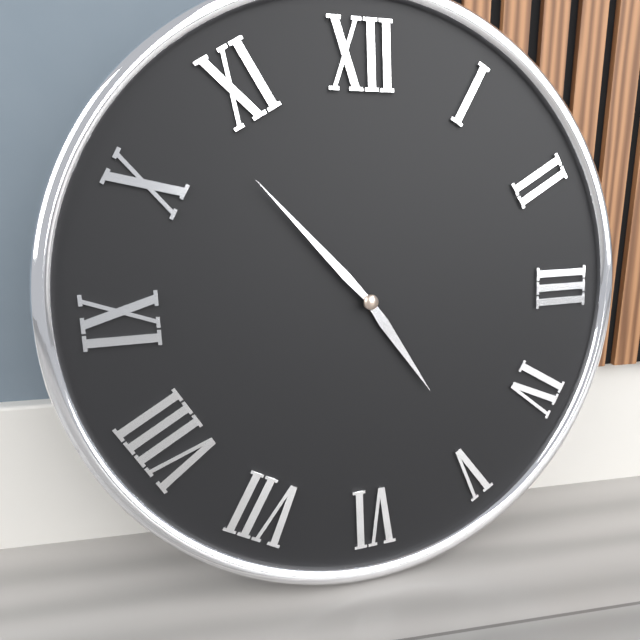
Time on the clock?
4:53
